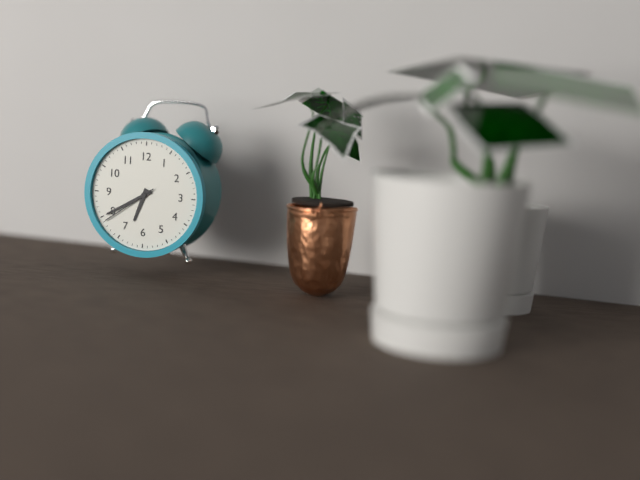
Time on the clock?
6:40:39
